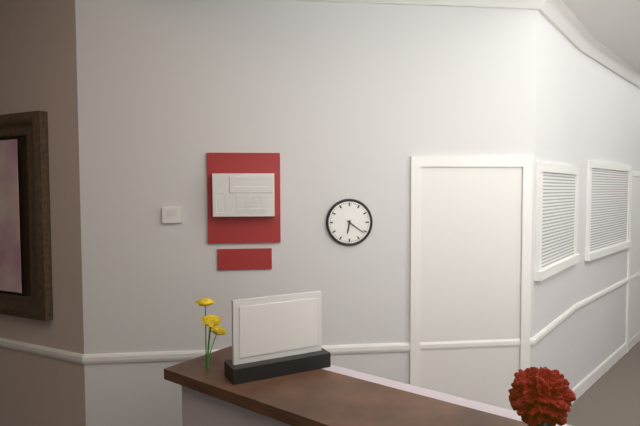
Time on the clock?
6:21
